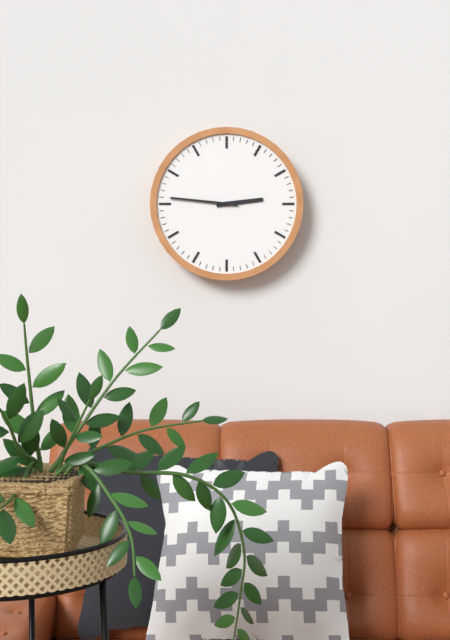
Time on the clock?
2:46
